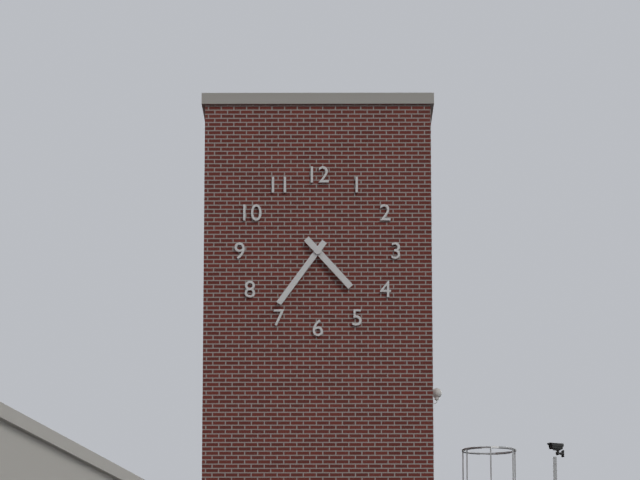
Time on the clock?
4:36
